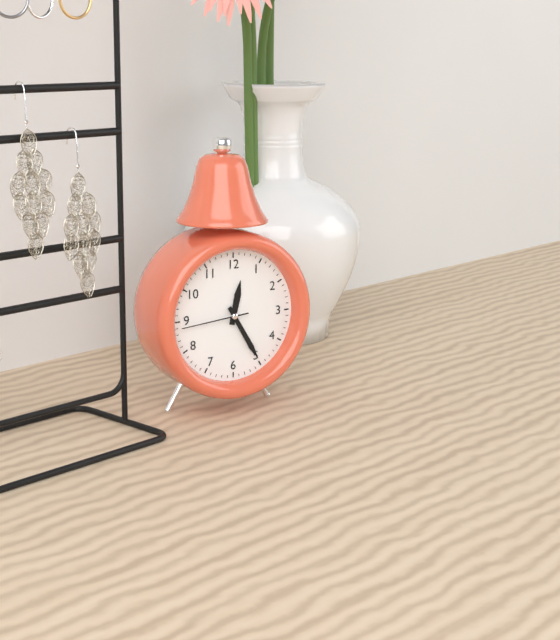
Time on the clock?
12:25:44
